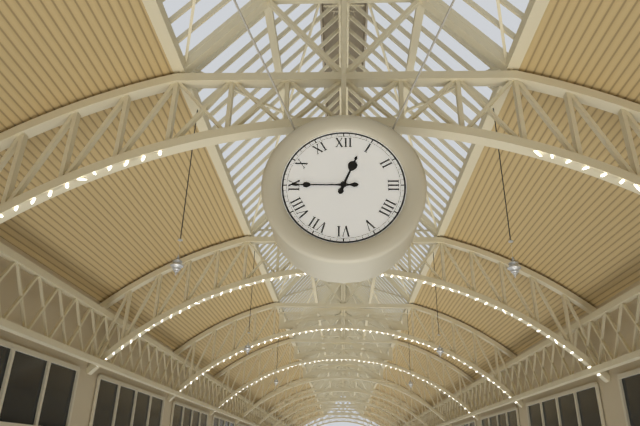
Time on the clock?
12:45
